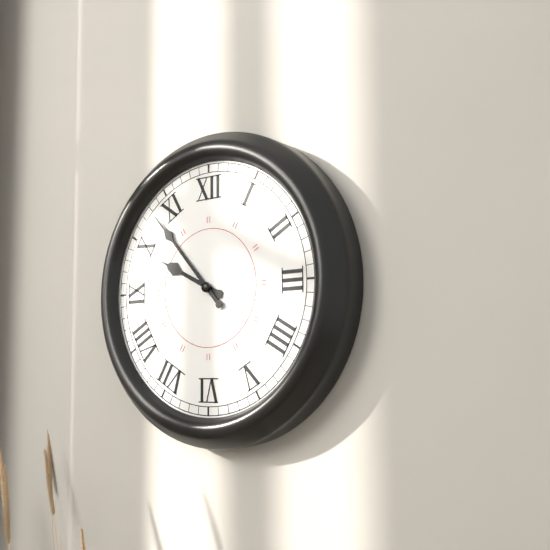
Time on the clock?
9:53
